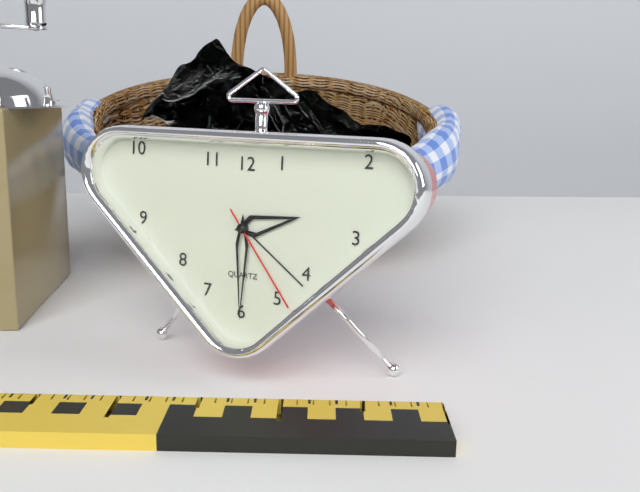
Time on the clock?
2:30:24
